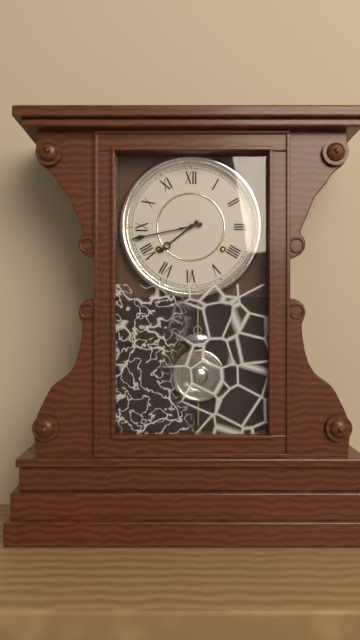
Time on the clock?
7:43
